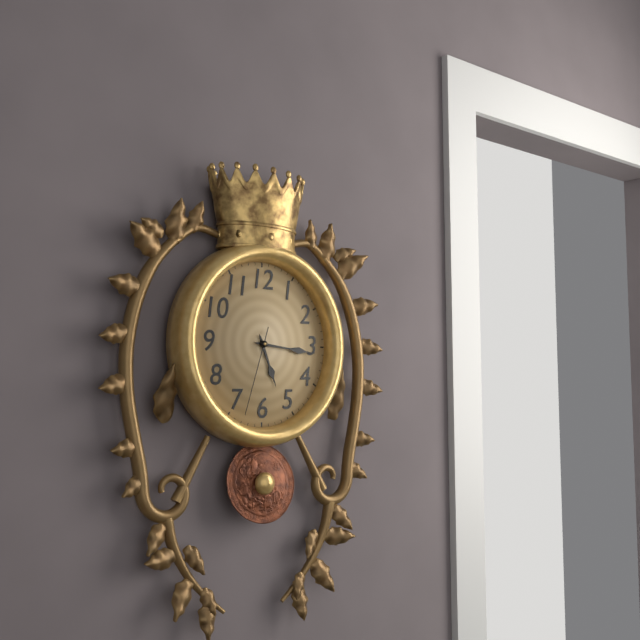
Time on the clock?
5:16:33
